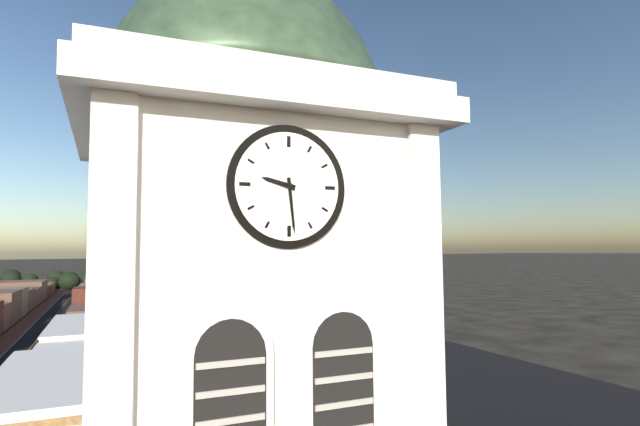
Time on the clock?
9:29
